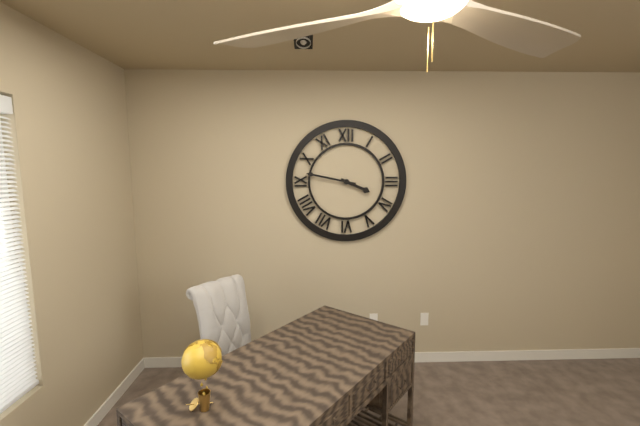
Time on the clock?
3:47
